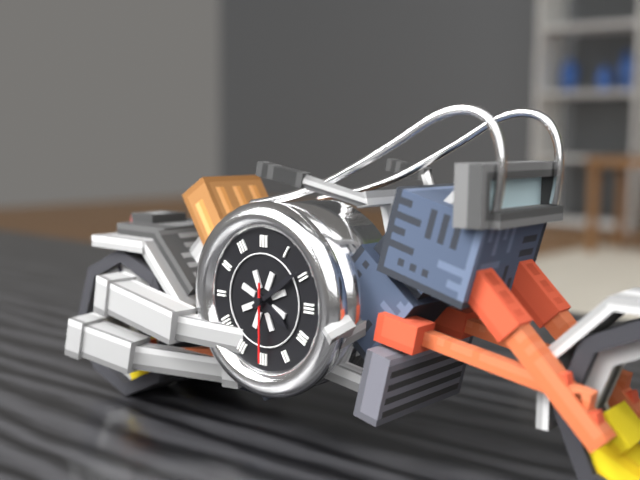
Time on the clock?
4:09:30
